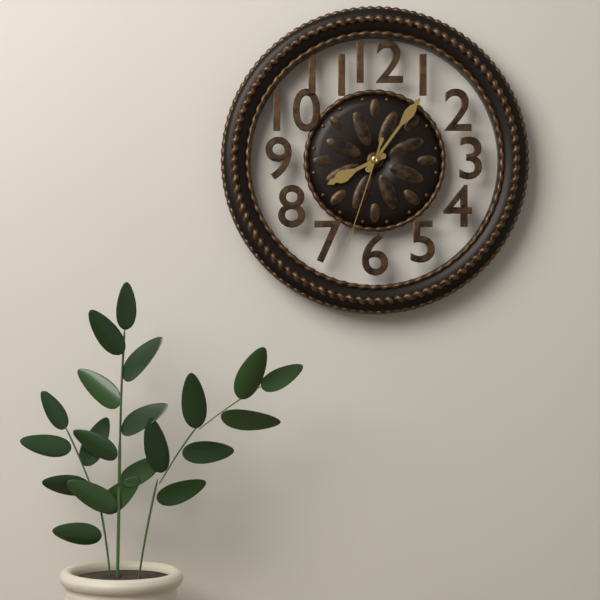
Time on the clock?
8:06:33
